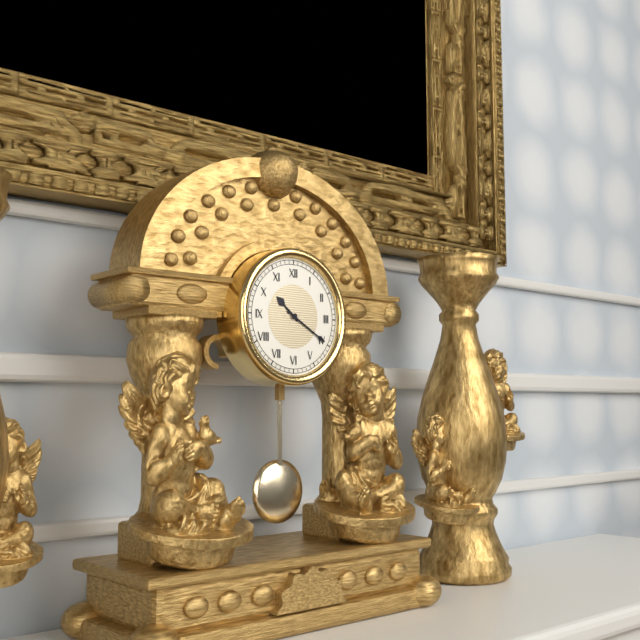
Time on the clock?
10:20
